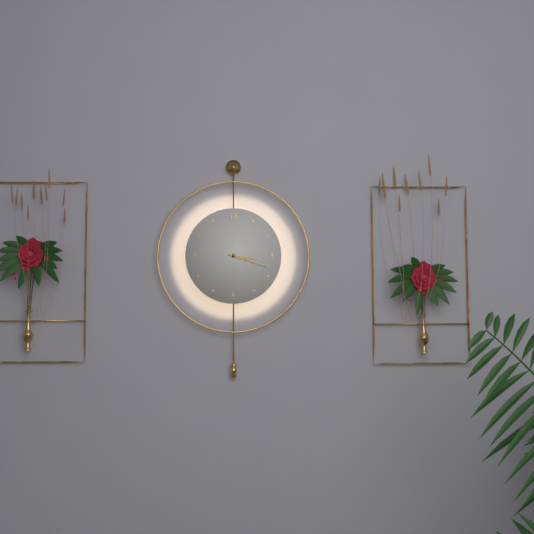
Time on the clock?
3:18
